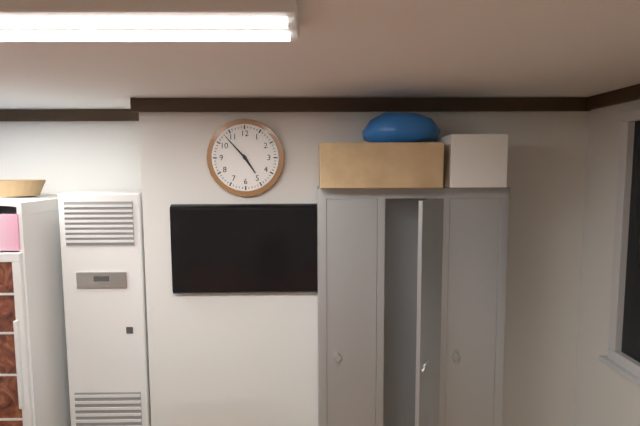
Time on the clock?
4:53
